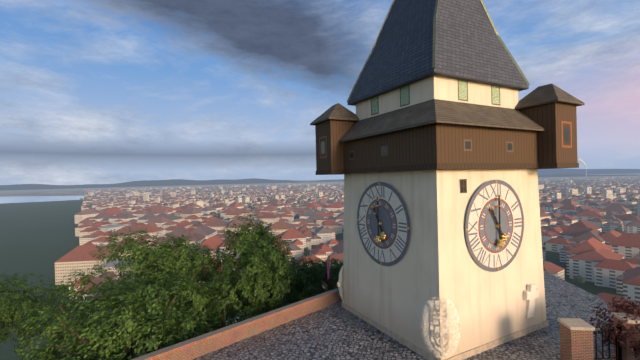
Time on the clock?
11:00
